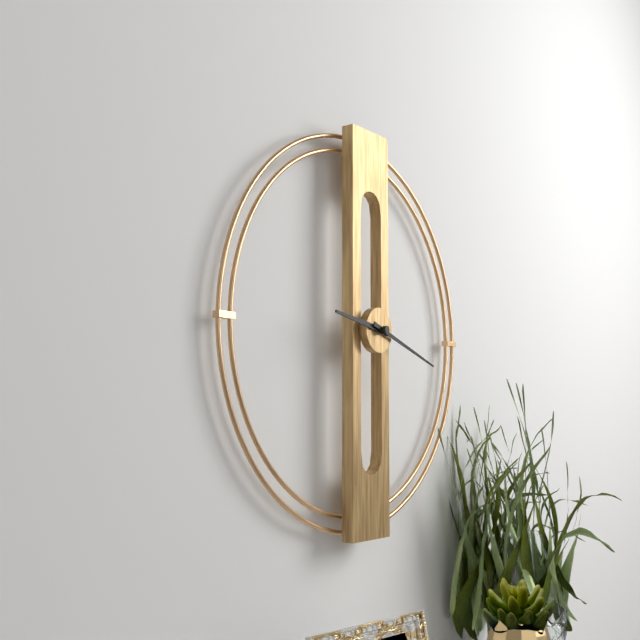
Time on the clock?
9:18
